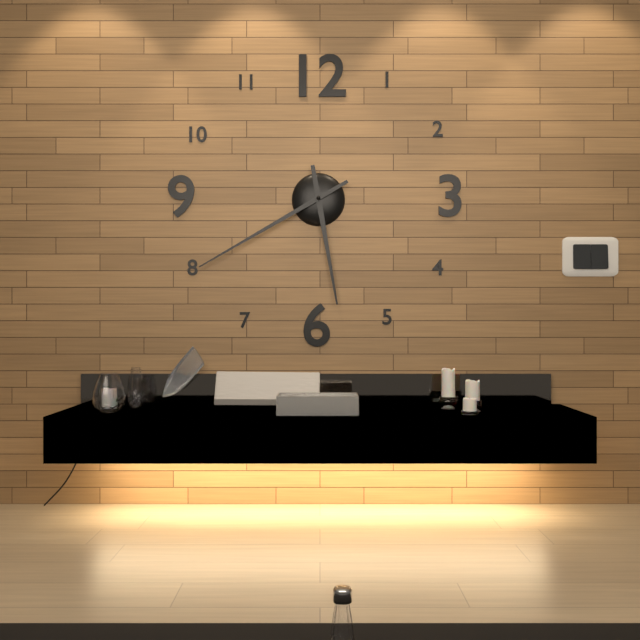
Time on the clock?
5:40
